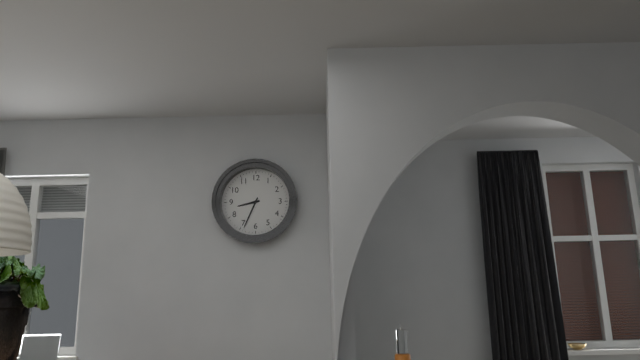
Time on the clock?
8:34
